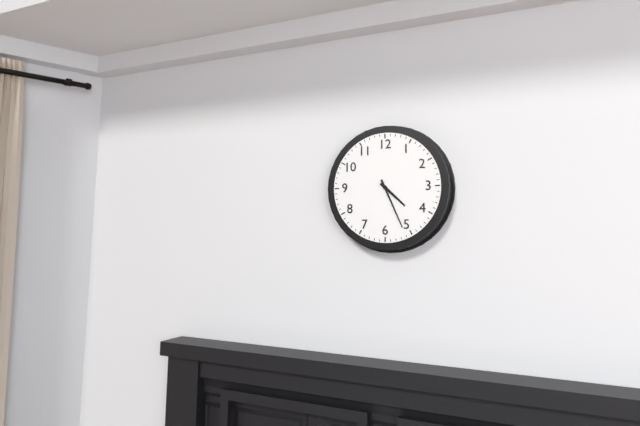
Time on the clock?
4:26
